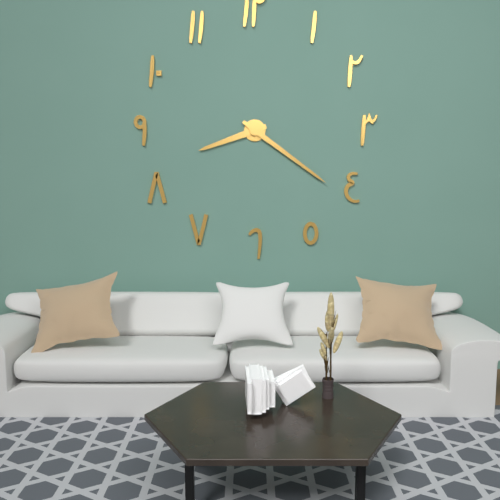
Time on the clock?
8:21
